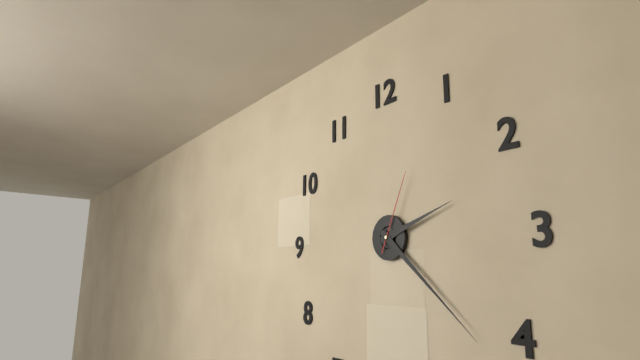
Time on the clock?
2:22:04
